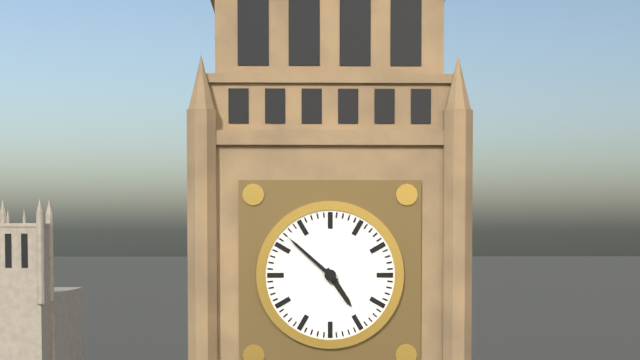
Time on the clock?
4:52
